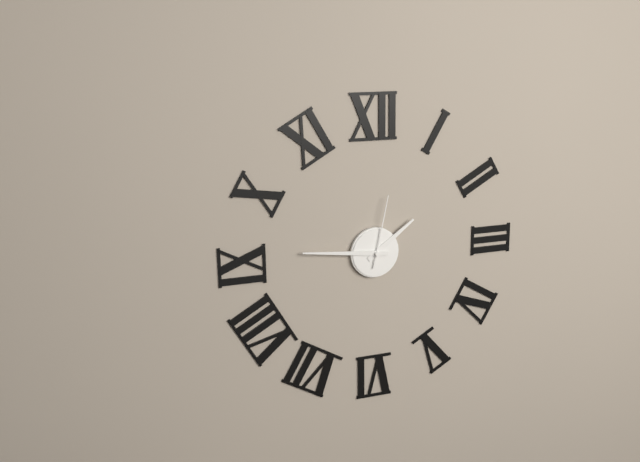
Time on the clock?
1:46:02
